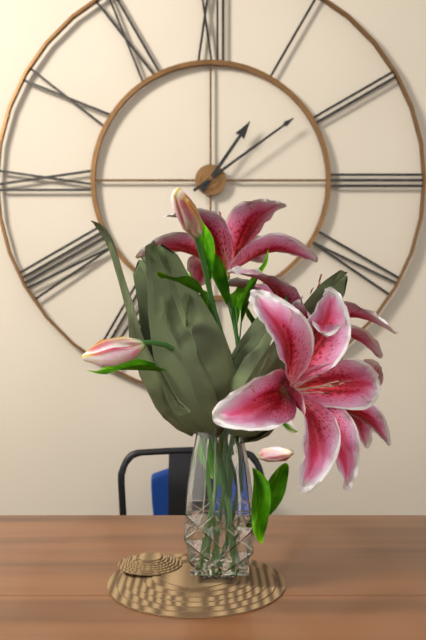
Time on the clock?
1:09
